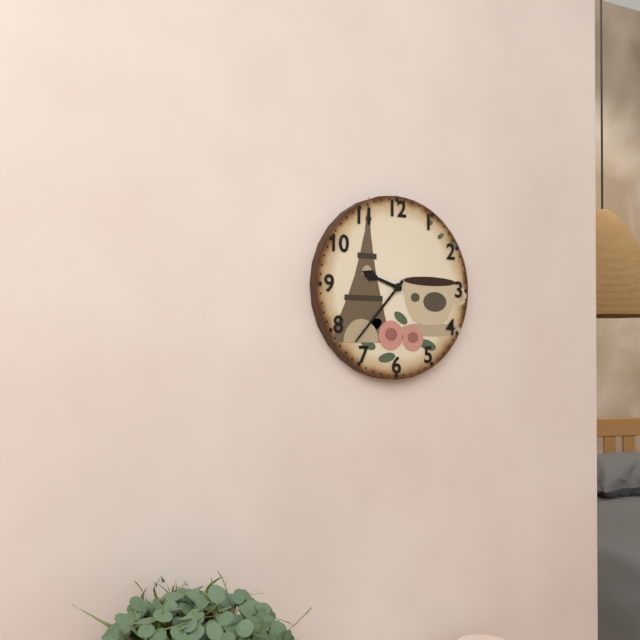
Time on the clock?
9:37
